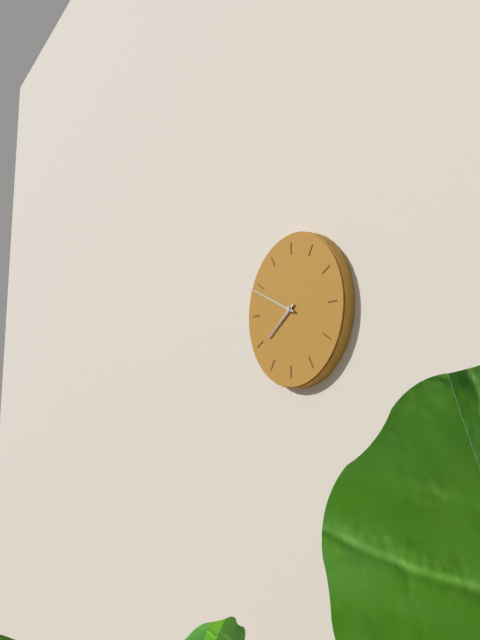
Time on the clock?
7:49
